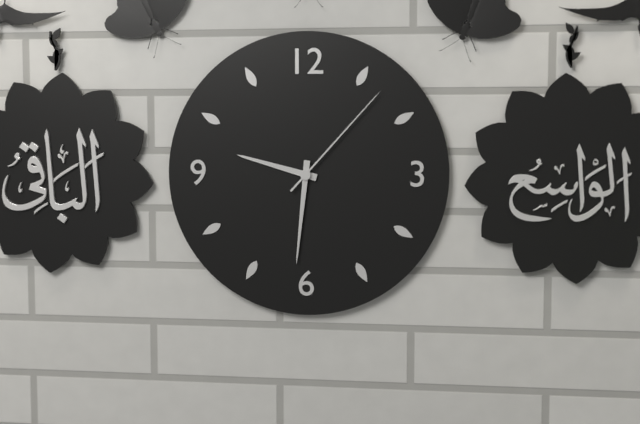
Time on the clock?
9:31:07
